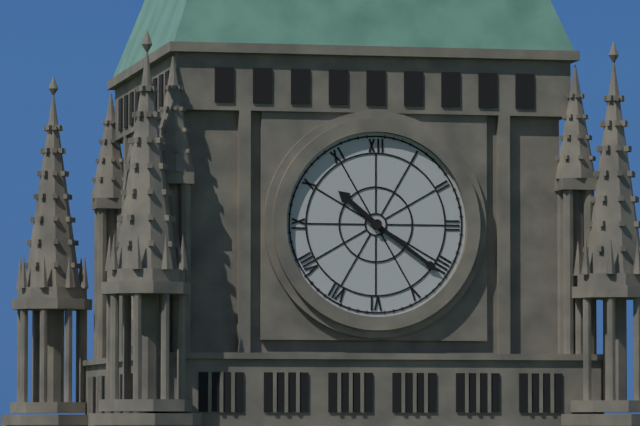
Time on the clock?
10:21
